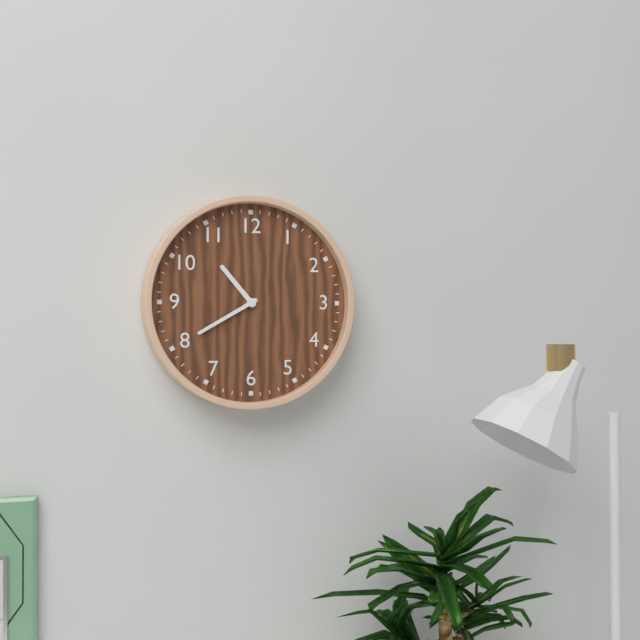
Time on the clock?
10:40
